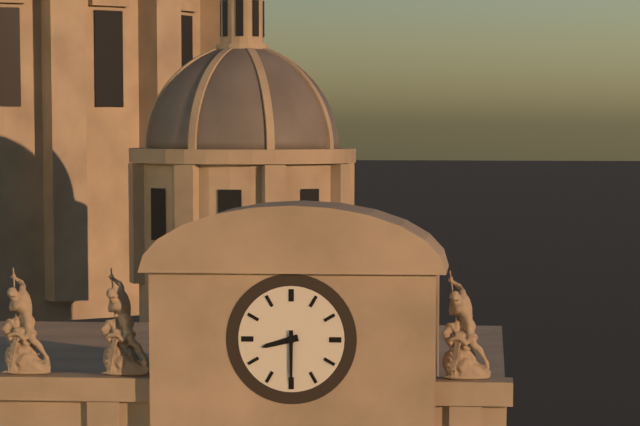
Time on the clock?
8:30
